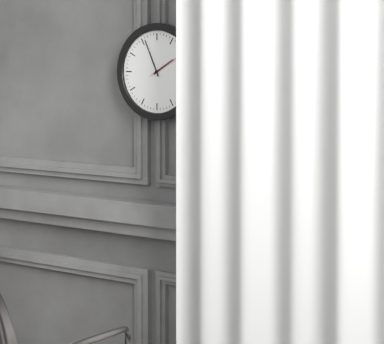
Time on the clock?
1:56
